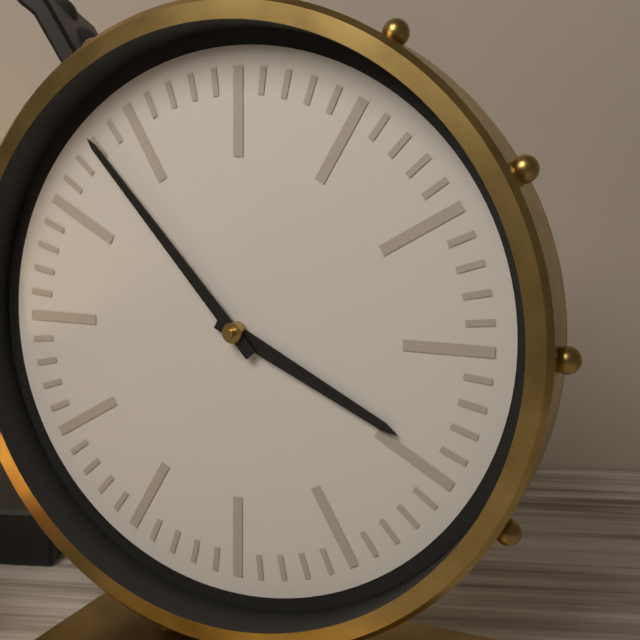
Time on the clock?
3:53
